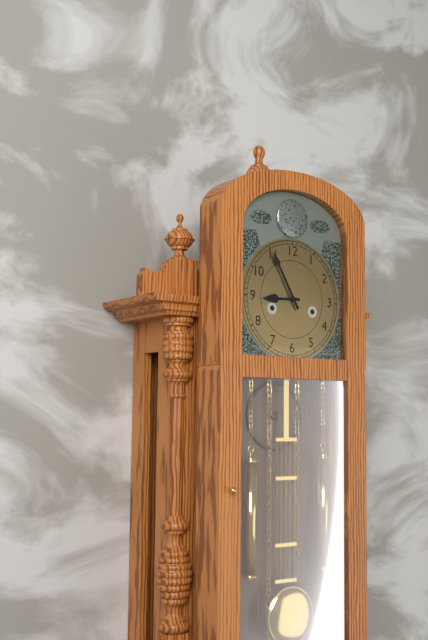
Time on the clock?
8:55
